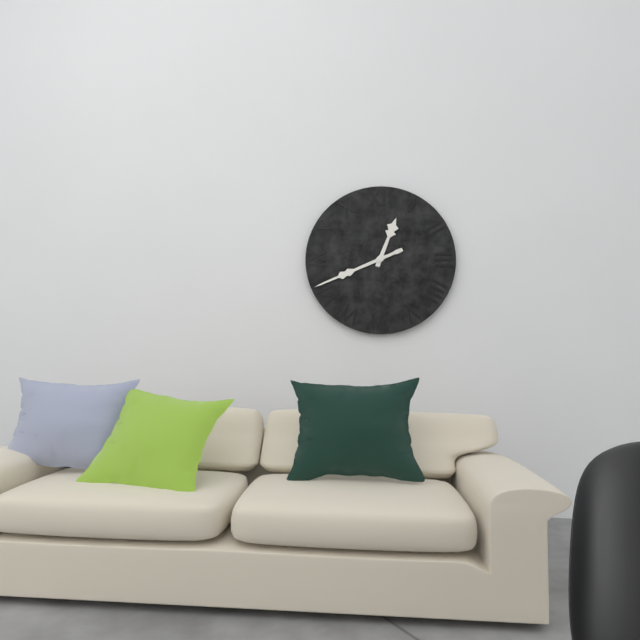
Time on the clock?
12:41
